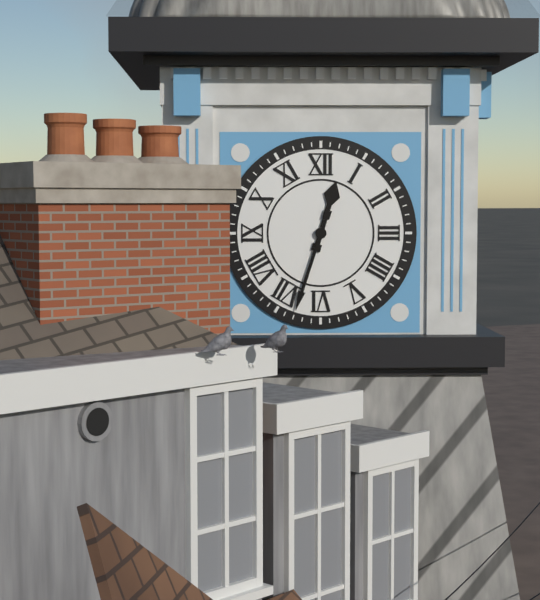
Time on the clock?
12:33
